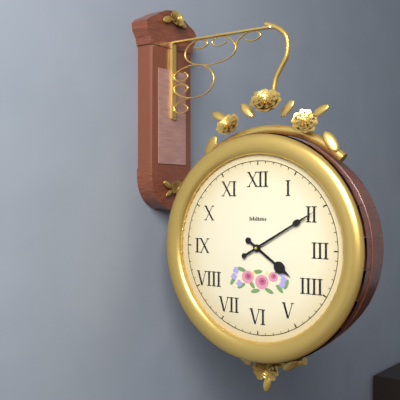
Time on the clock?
4:10
